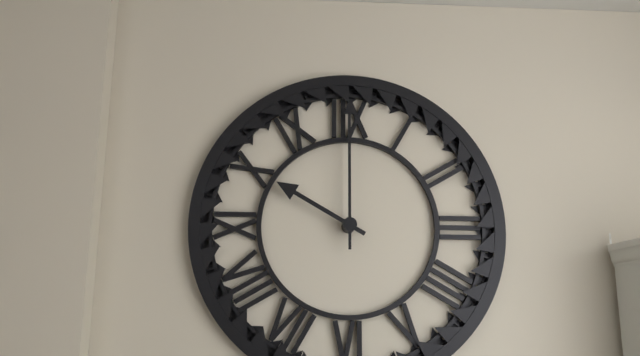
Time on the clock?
10:00
